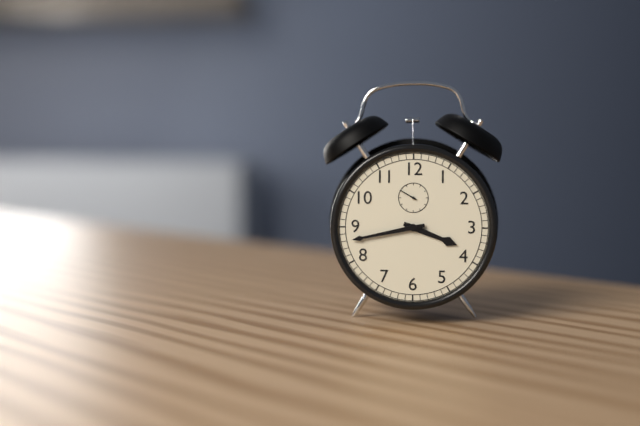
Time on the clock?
3:43
